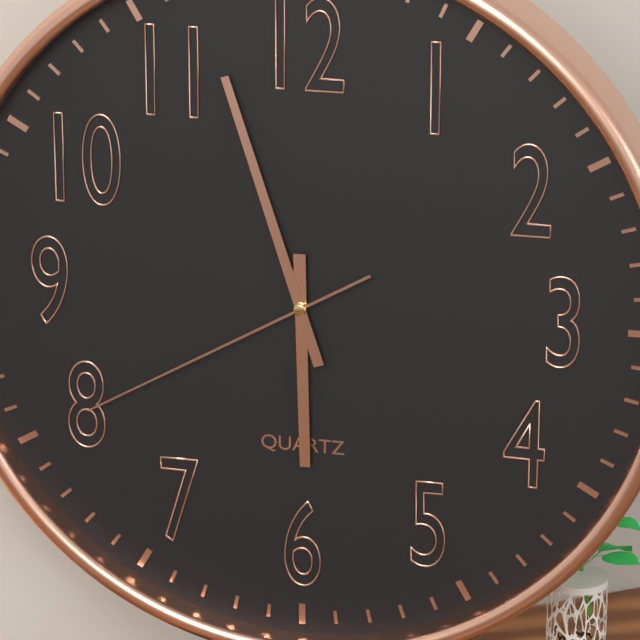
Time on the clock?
5:57:40
